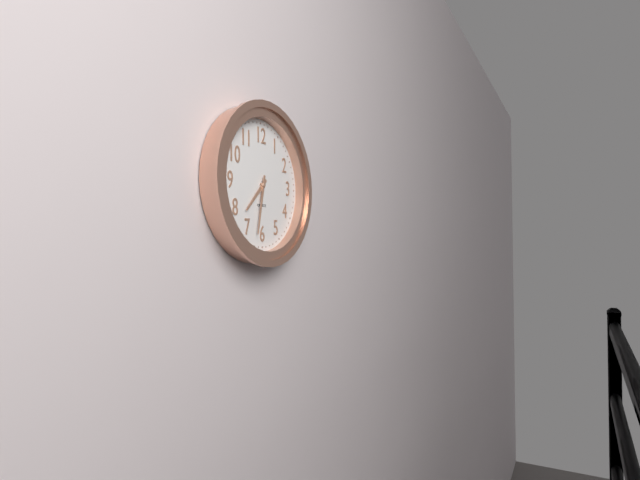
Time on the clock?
7:32
